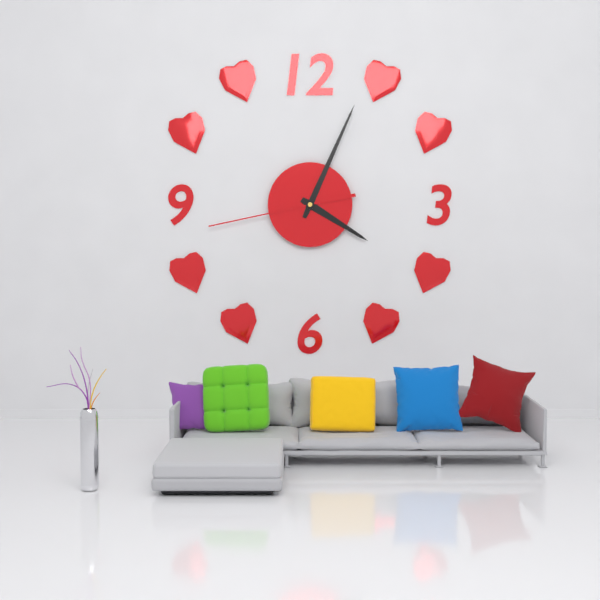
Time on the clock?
4:04:43
